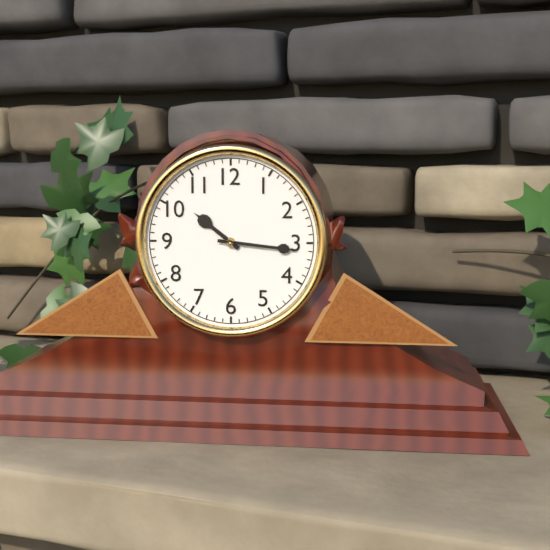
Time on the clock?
10:16
